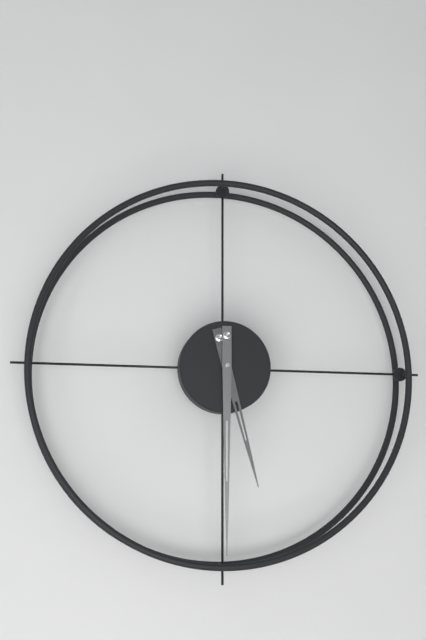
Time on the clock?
5:30
